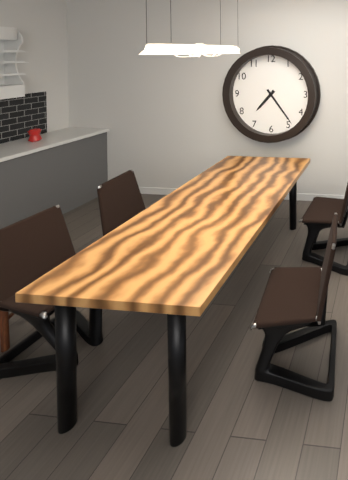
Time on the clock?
7:24
